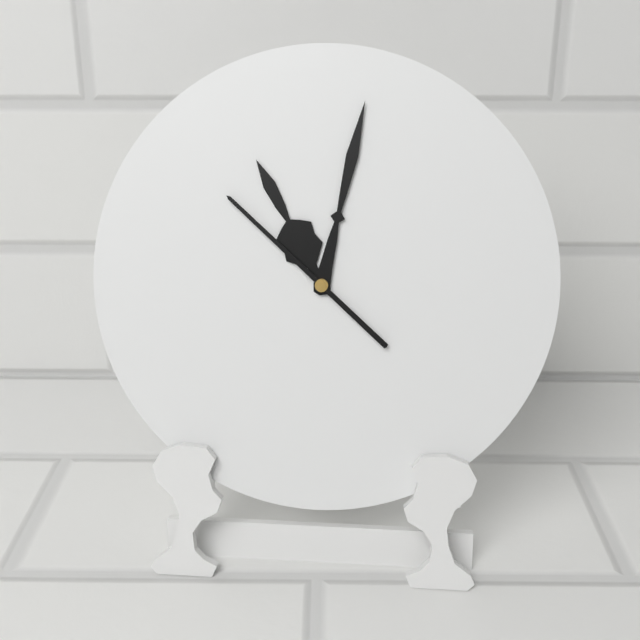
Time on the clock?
11:02:52
